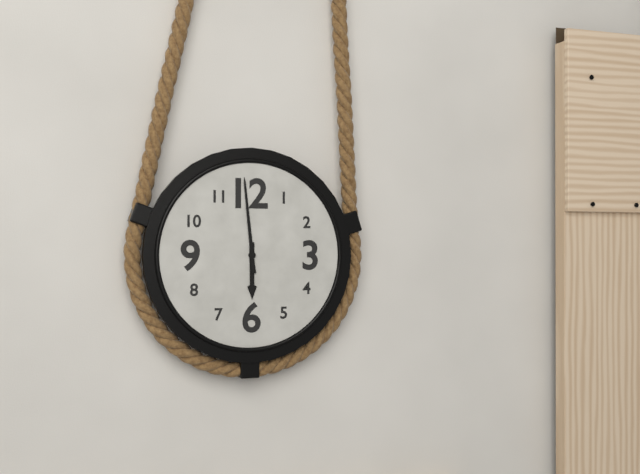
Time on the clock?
5:59
